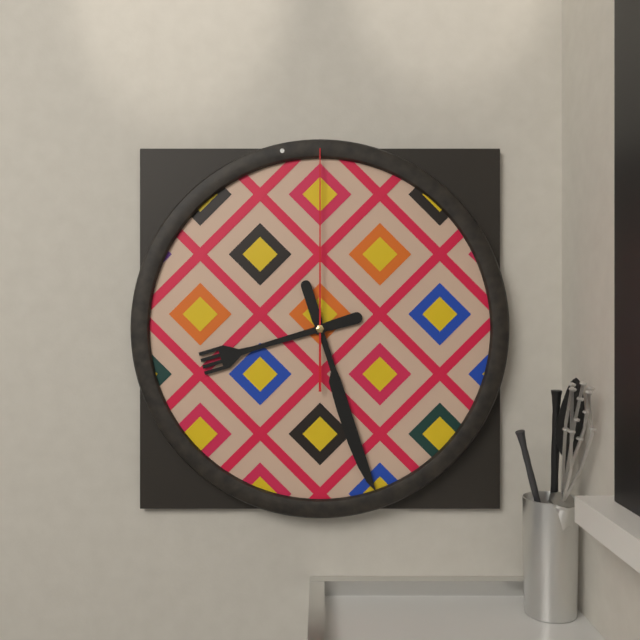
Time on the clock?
8:27:00
